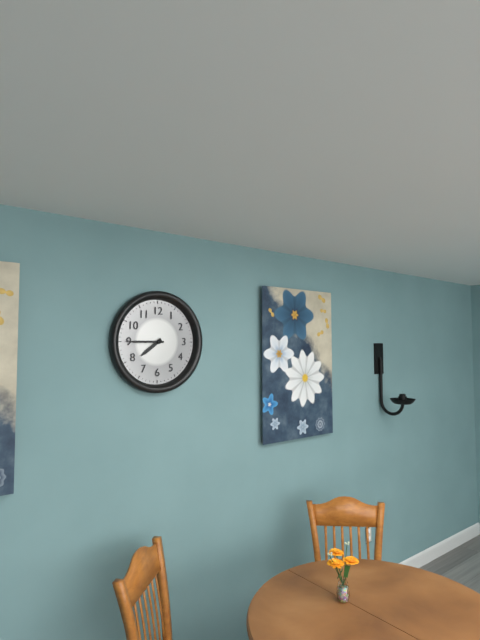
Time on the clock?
7:45
